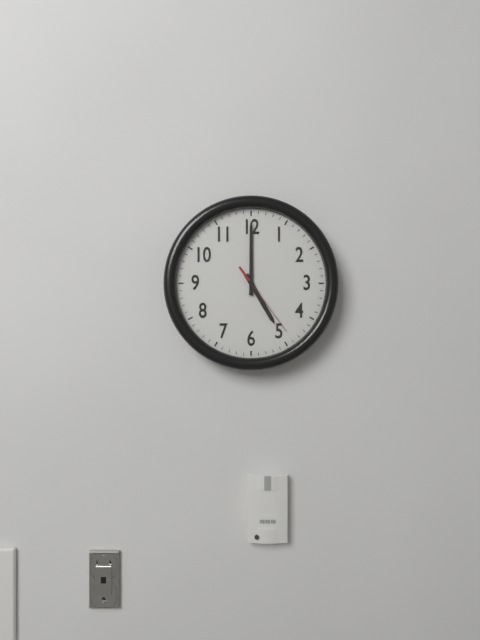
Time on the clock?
5:00:24
